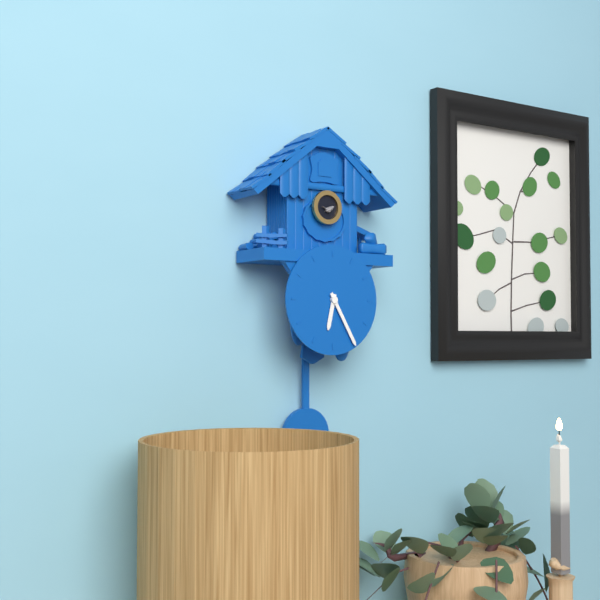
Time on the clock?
6:25
